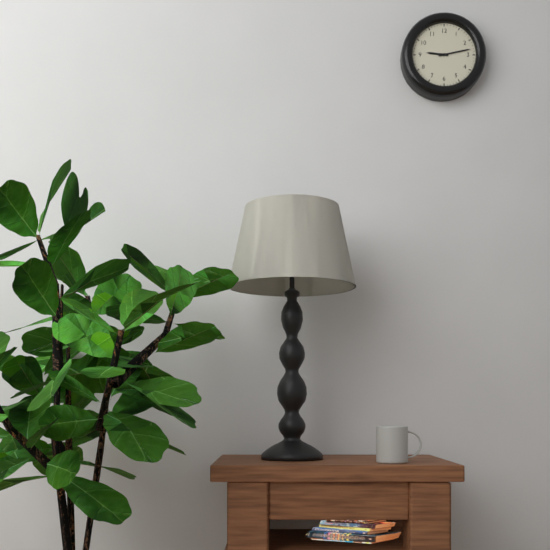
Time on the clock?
9:13
